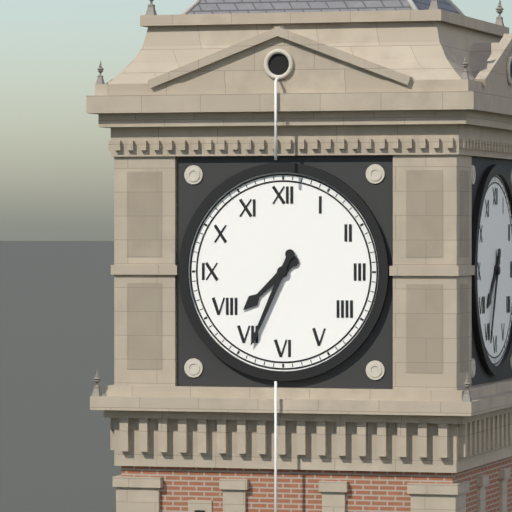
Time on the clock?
7:34
